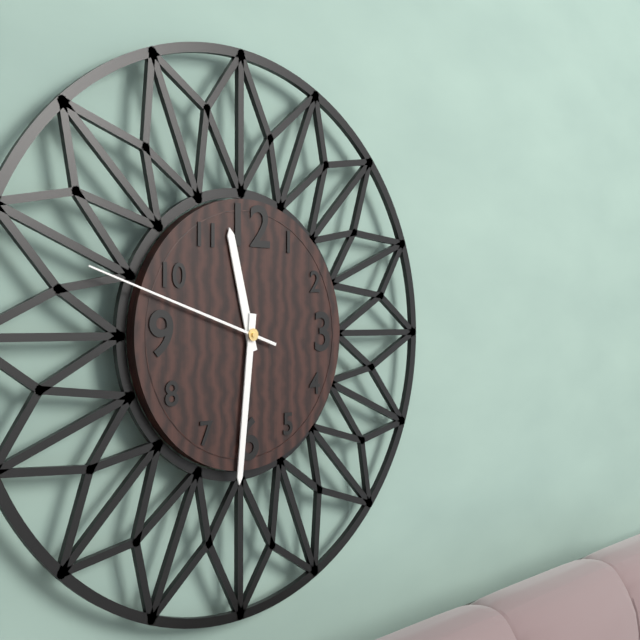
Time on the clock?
11:31:48
